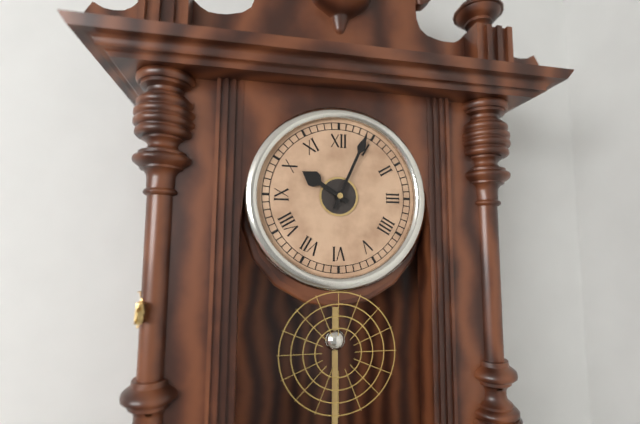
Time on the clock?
10:04
